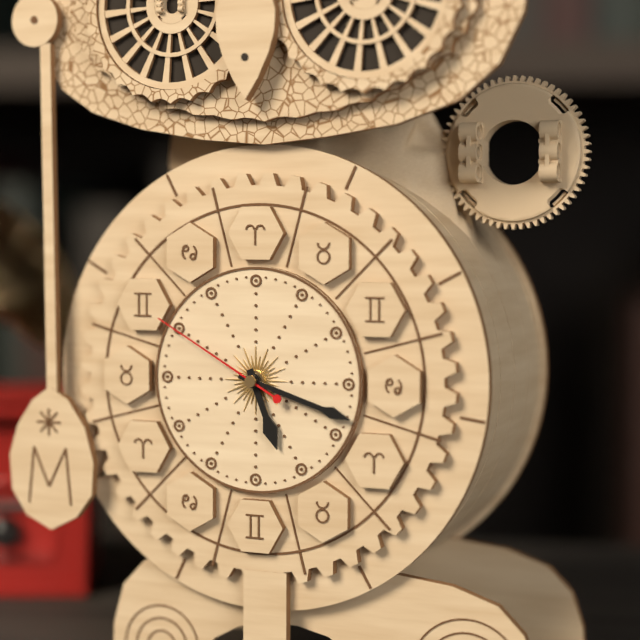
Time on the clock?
5:18:50
